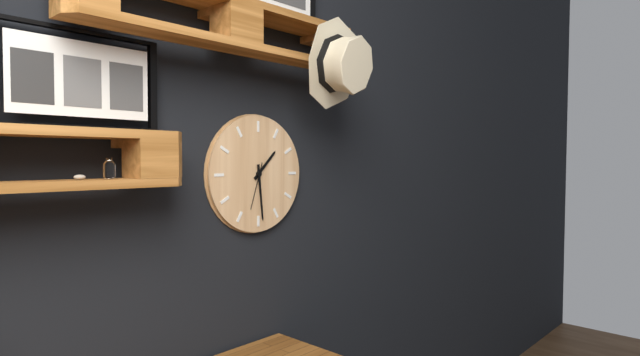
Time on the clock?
1:29
